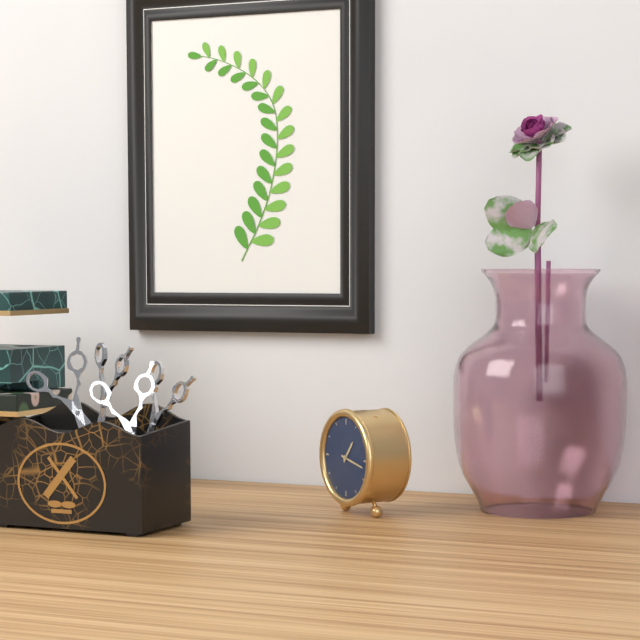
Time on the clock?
1:17
